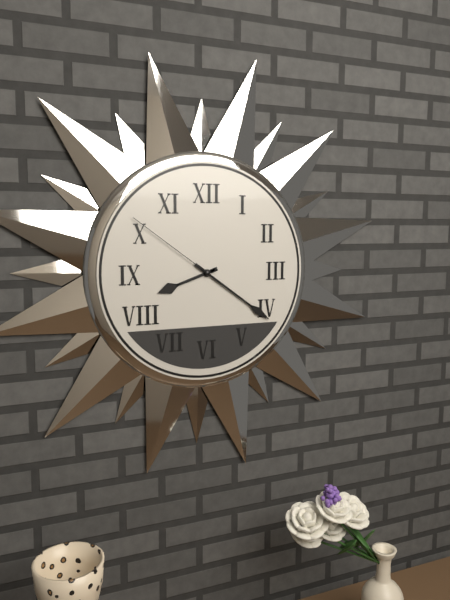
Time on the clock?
8:21:51
